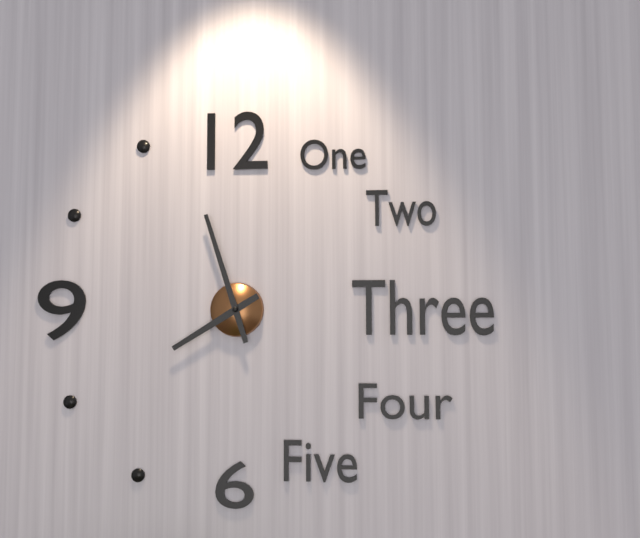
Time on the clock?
7:57
